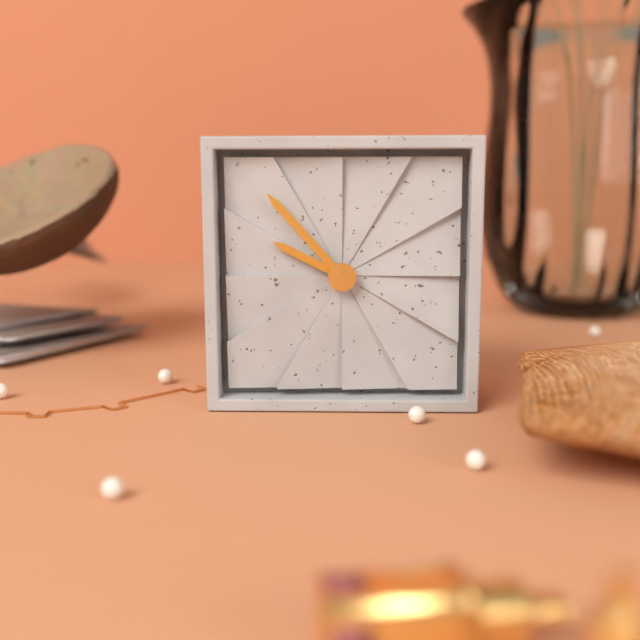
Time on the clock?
9:53
